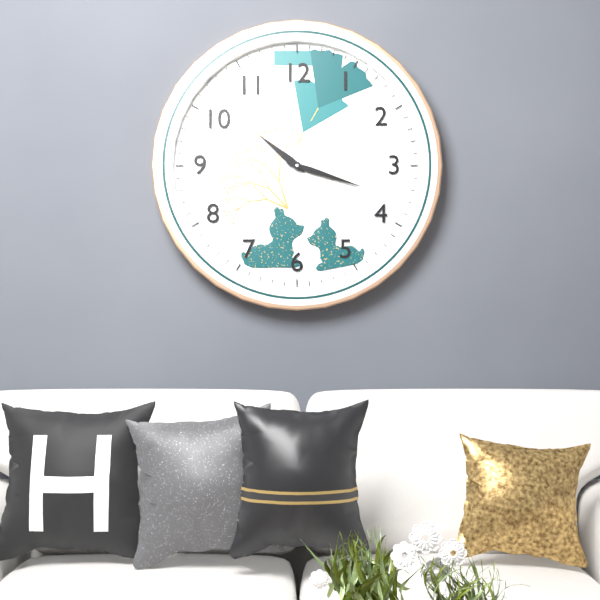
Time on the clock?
10:18
